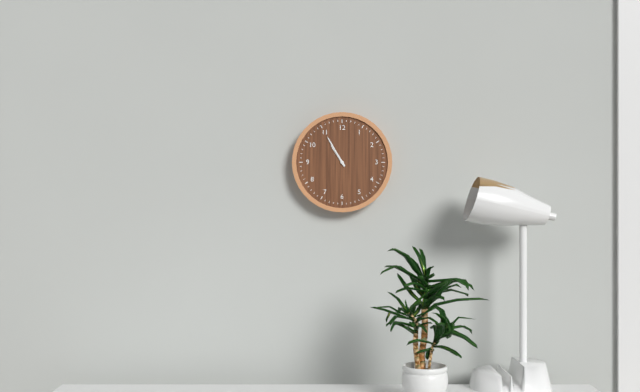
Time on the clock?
10:55
